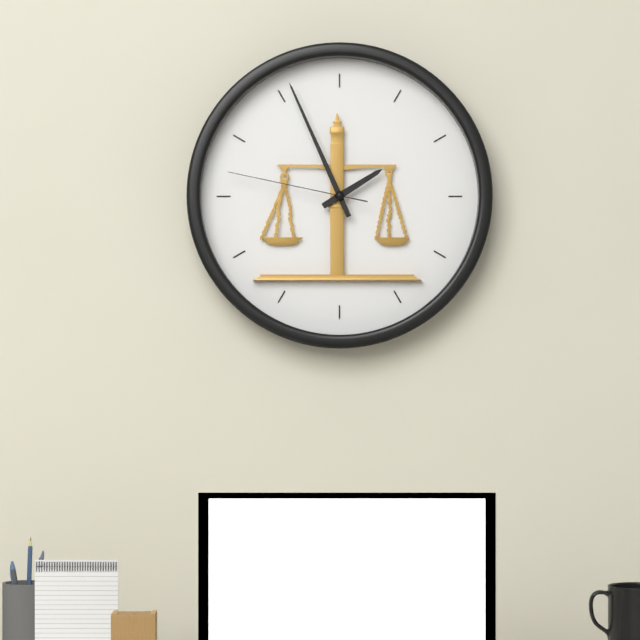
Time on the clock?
1:56:47
